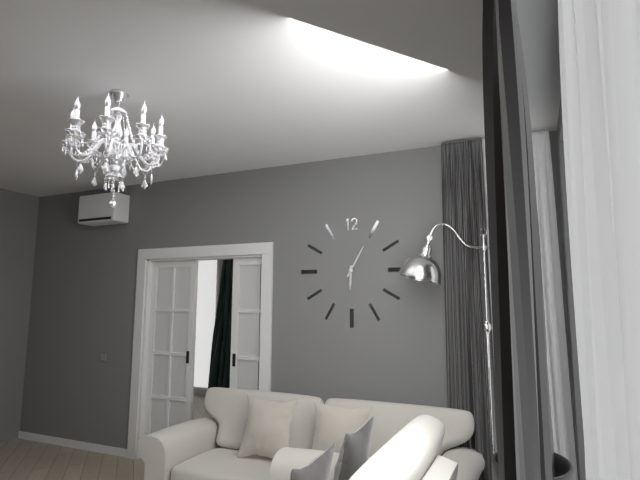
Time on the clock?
6:05
